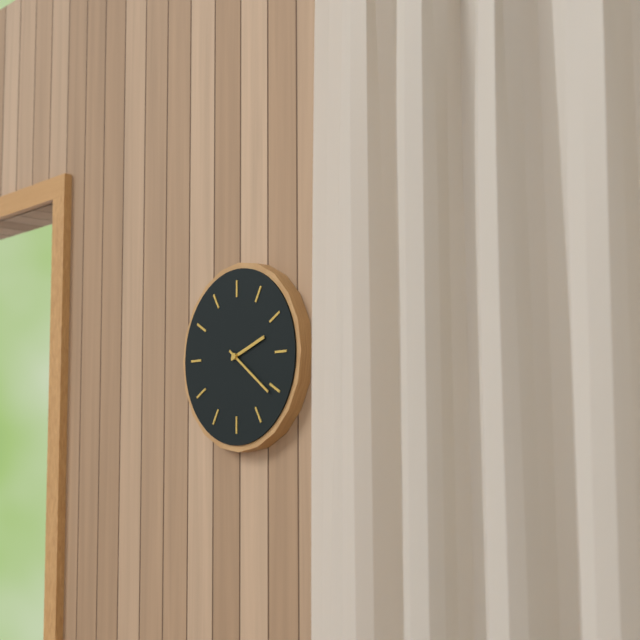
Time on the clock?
2:21
